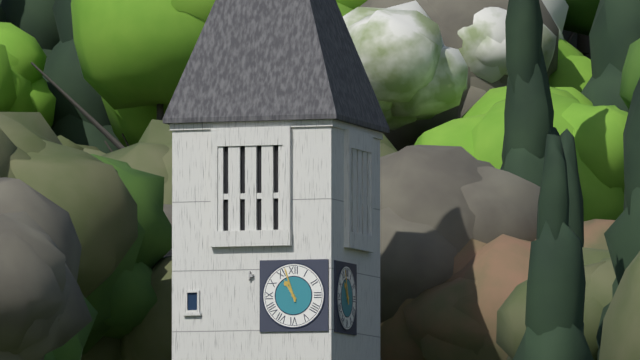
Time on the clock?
10:57
